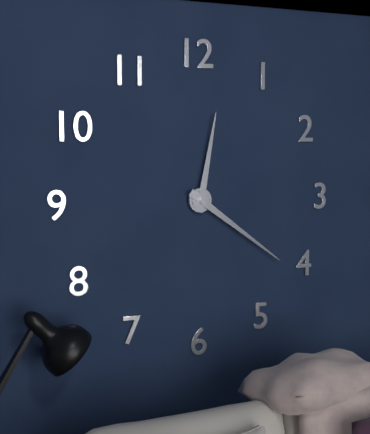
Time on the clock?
12:21
